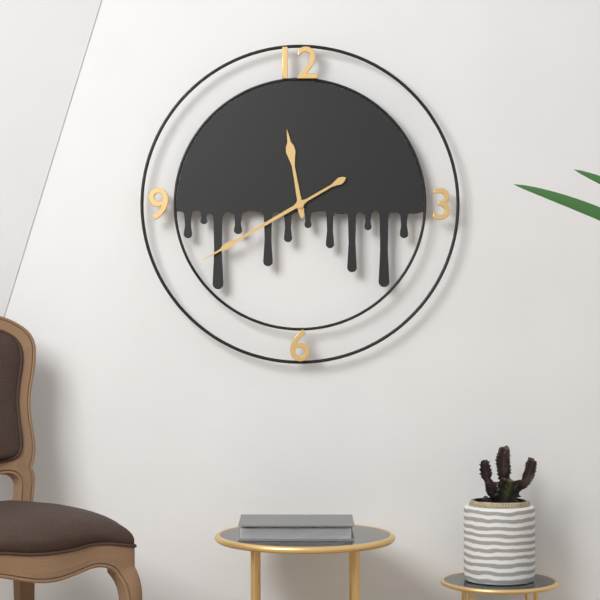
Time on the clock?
11:40
